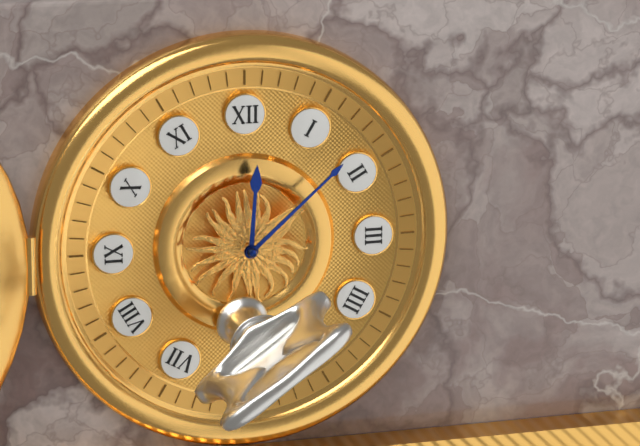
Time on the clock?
12:08
